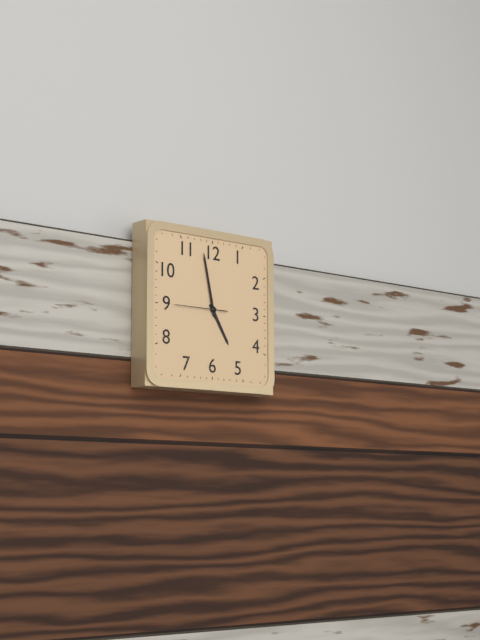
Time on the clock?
4:58:45
